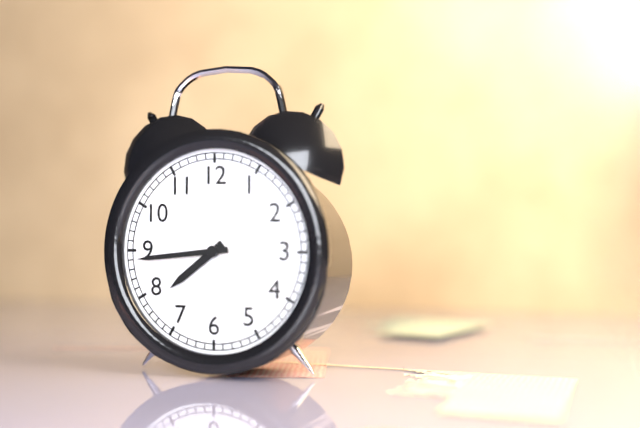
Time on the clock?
7:44
